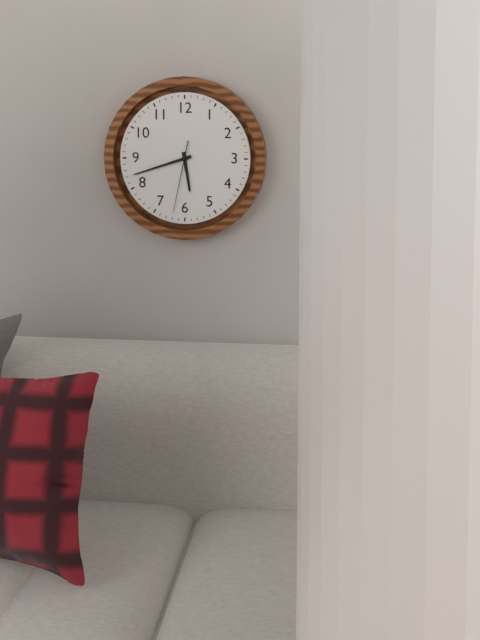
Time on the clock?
5:42:32
